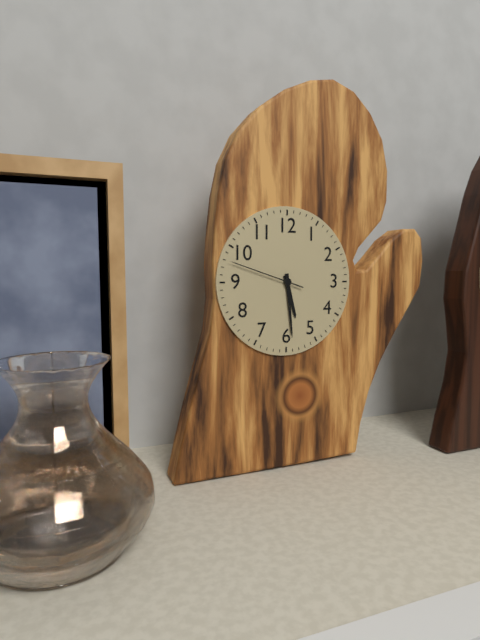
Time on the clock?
5:29:48
